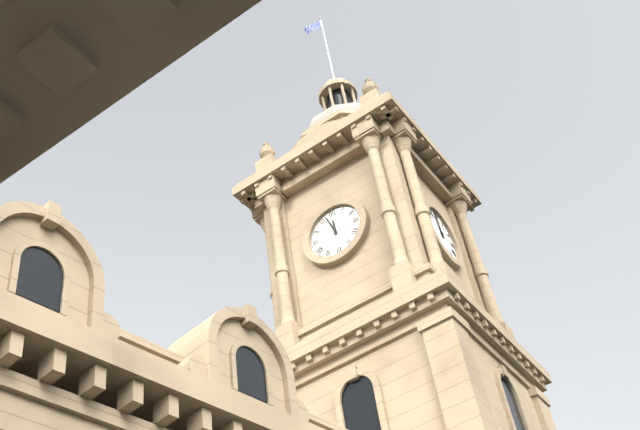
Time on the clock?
11:57
